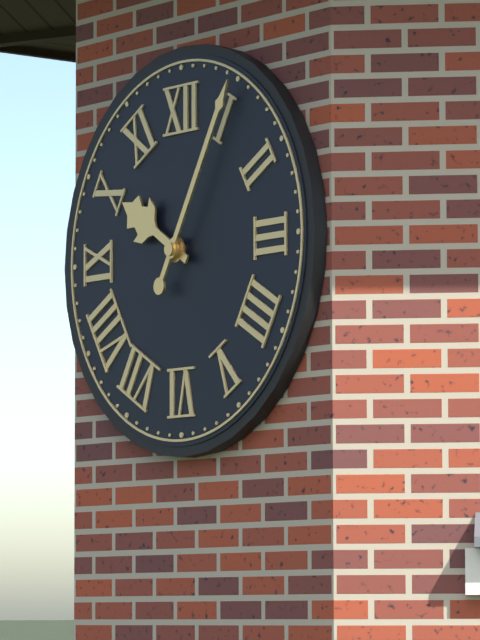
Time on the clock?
10:05
